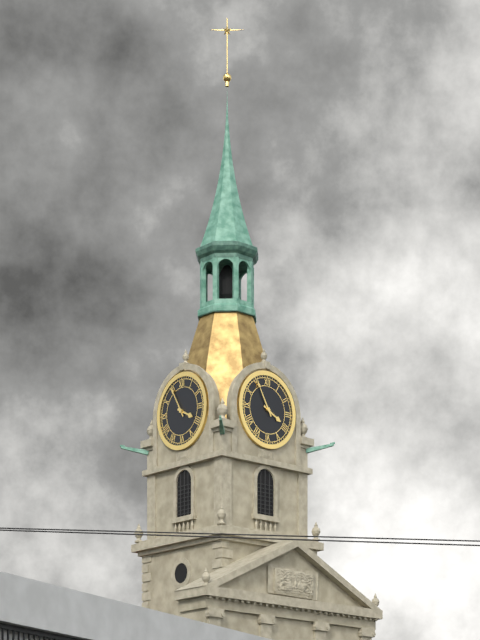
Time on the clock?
3:55
